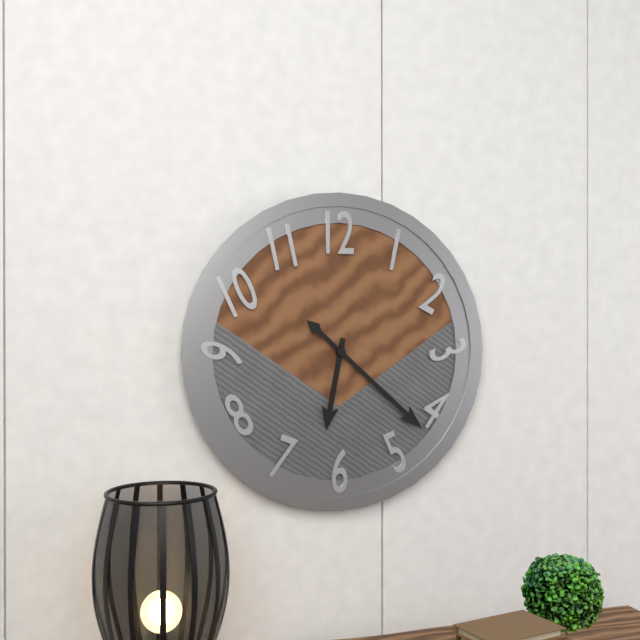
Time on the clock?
6:22
